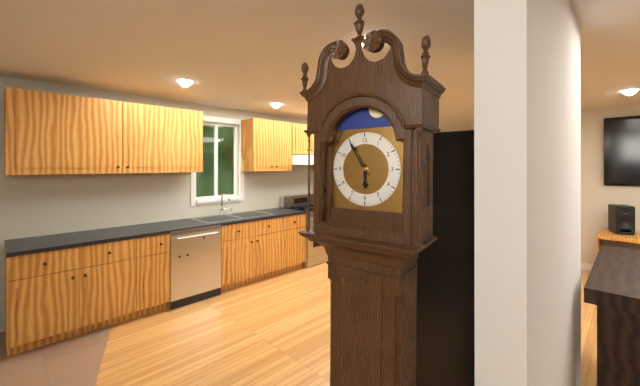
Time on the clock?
5:55
